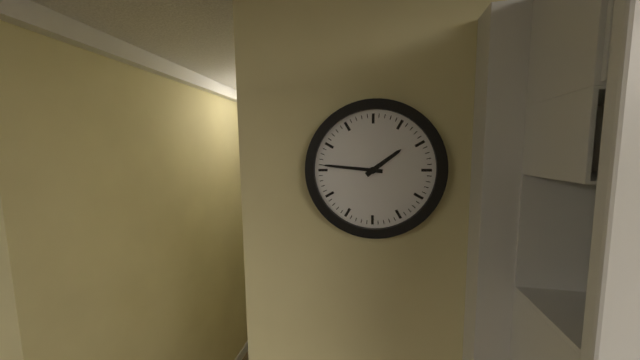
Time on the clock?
1:46
